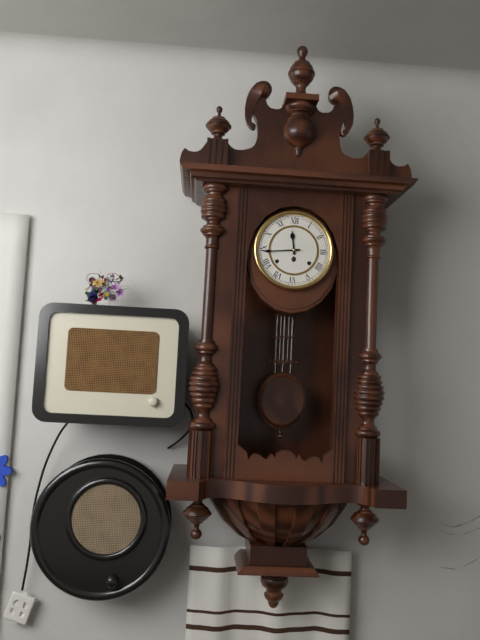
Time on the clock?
11:44
